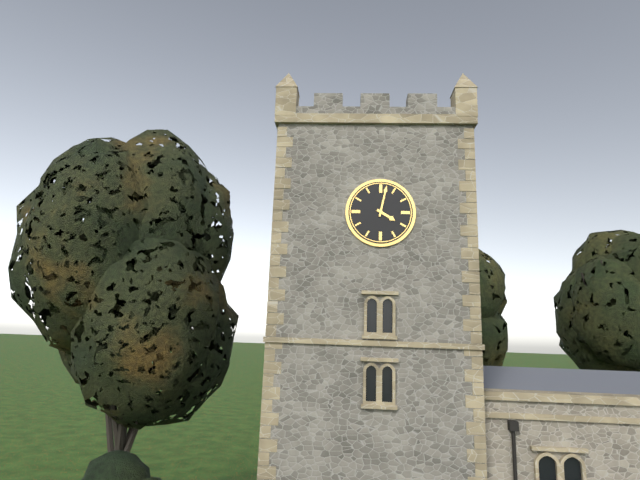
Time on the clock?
4:02
